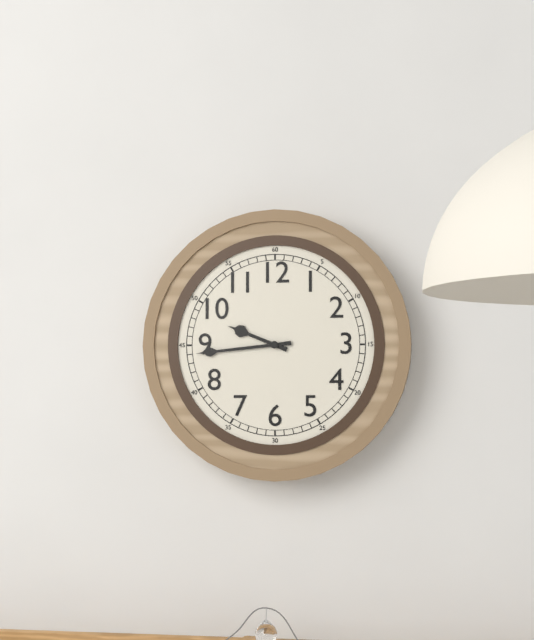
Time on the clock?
9:44
